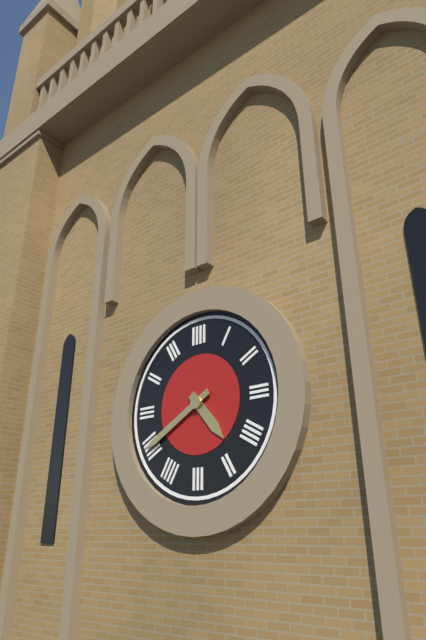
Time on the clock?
4:40
